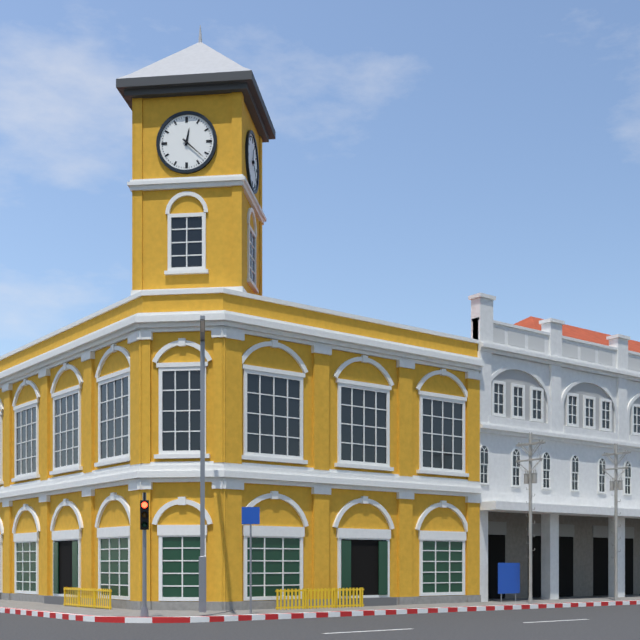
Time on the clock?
12:22
